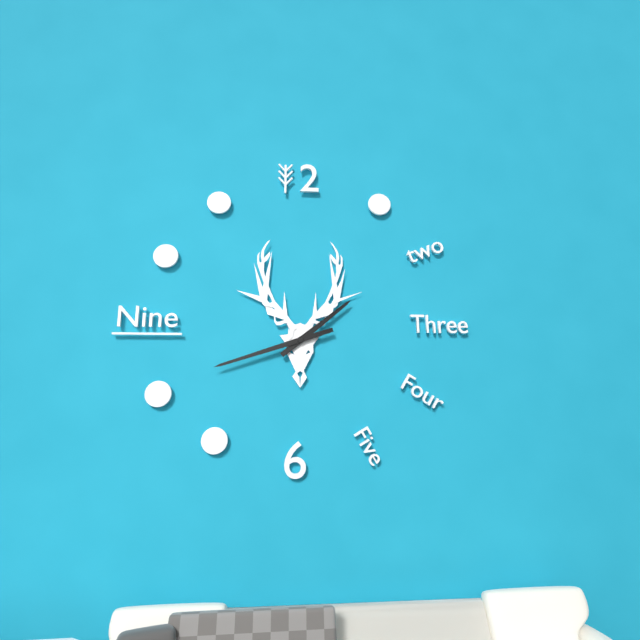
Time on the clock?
1:42
